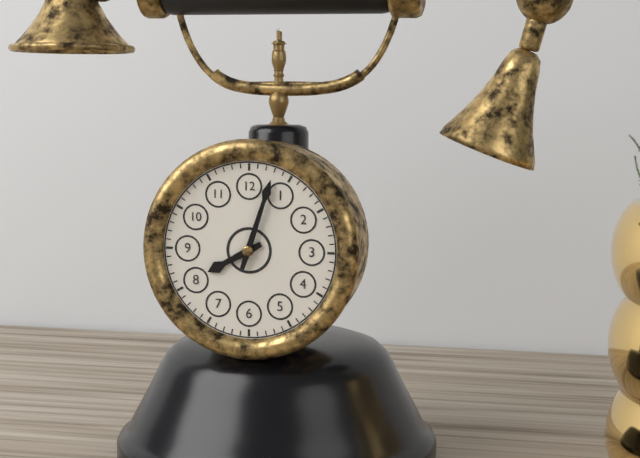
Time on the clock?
8:03
